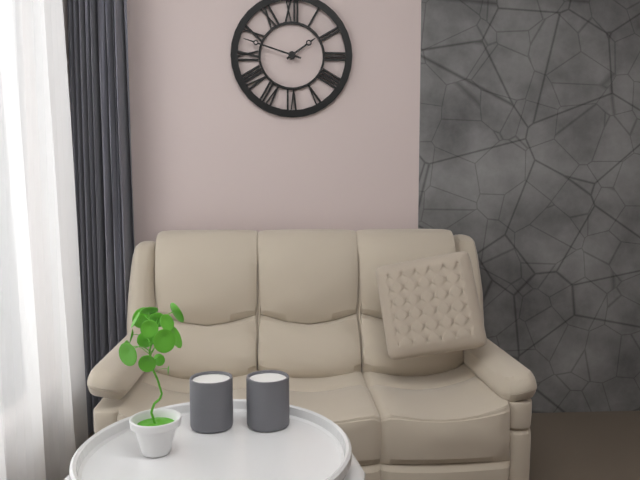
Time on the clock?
1:48
